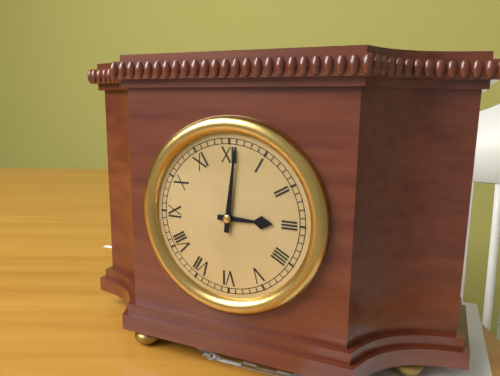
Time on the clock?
3:01
